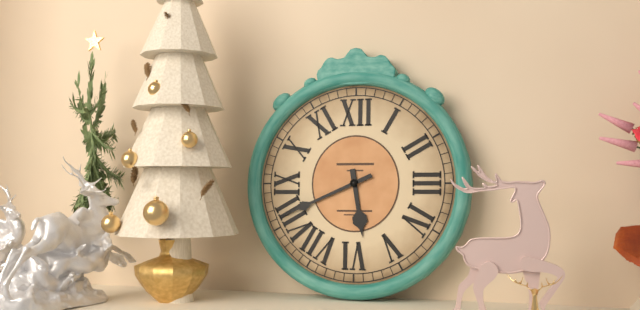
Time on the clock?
5:41
